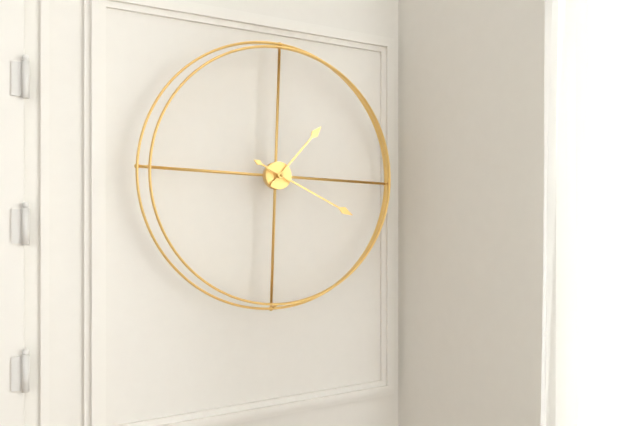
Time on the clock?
1:19
